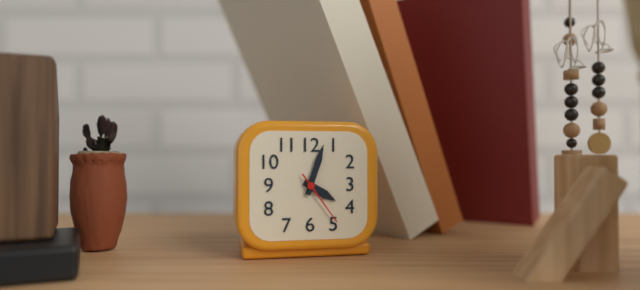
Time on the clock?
4:03:24
